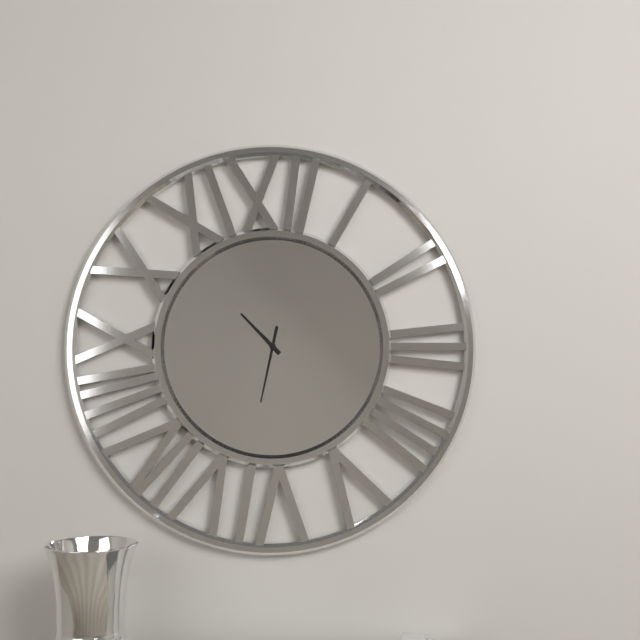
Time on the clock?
10:32
